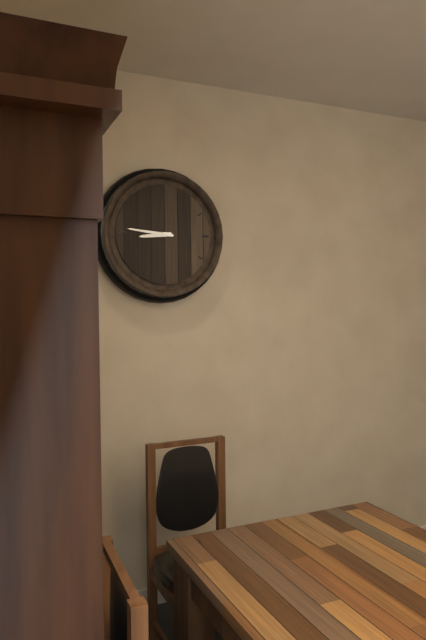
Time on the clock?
8:46
